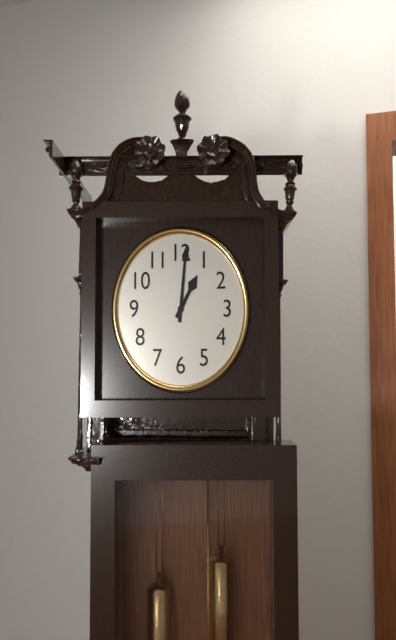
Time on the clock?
1:01
